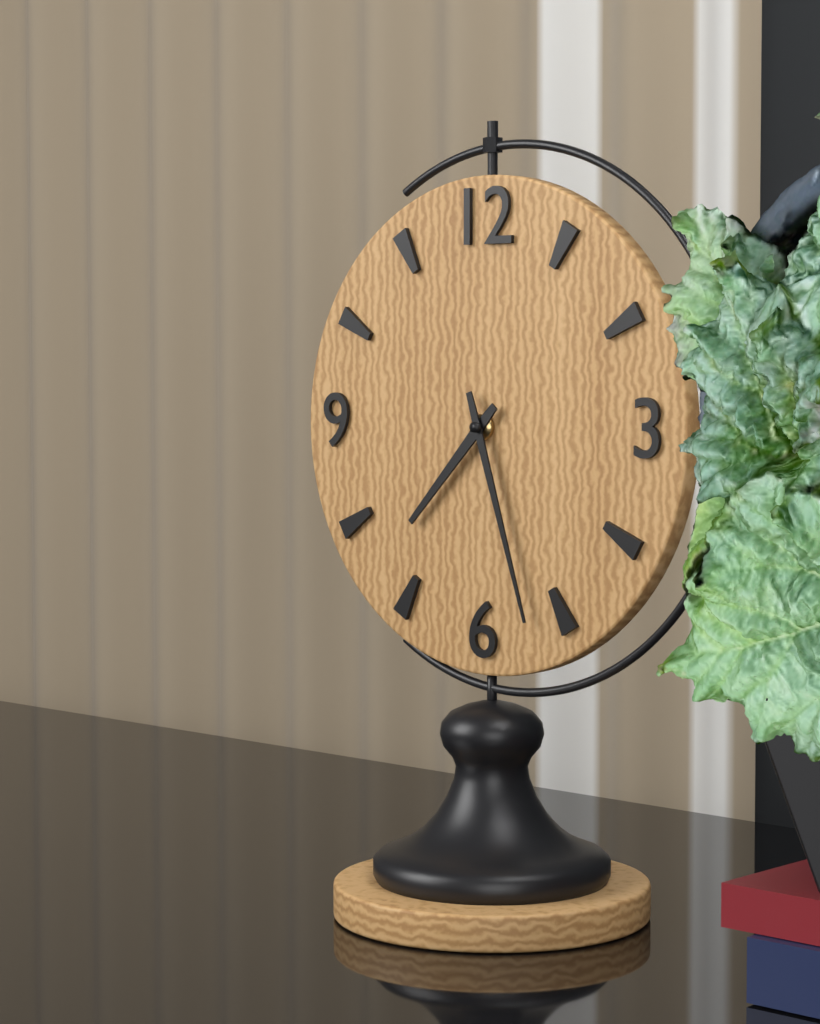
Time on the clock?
7:27
